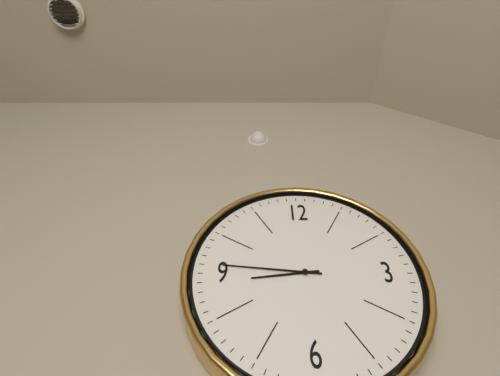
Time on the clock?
8:46
